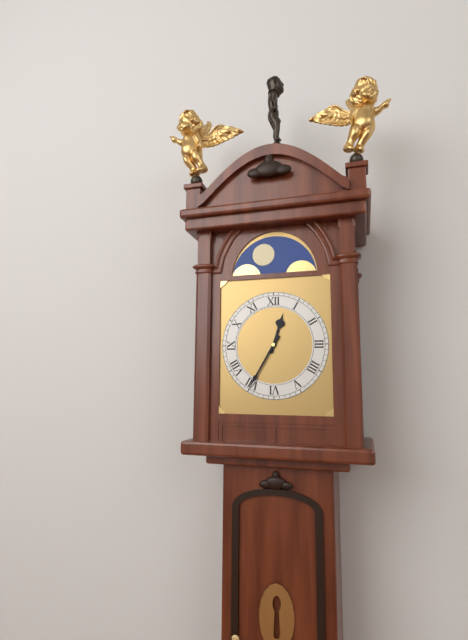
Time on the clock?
12:35
